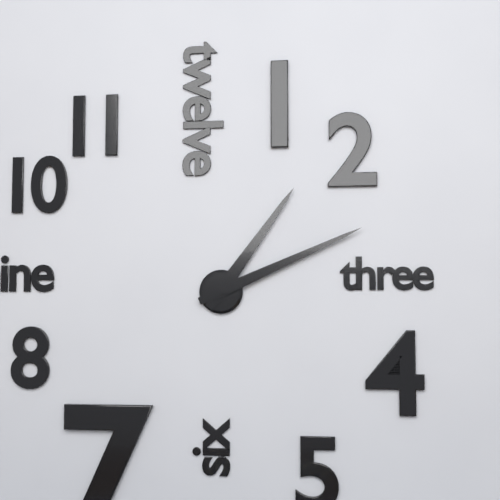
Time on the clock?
1:11
